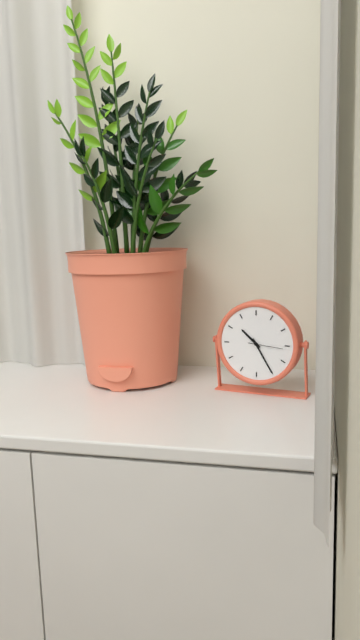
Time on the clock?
10:25
